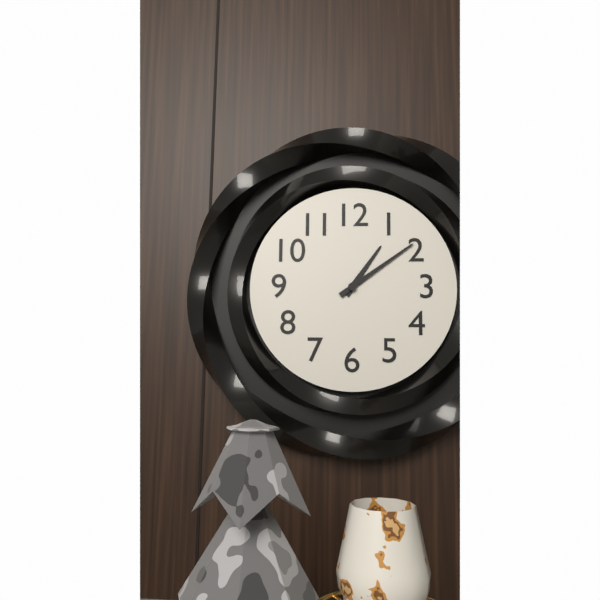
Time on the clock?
1:09
